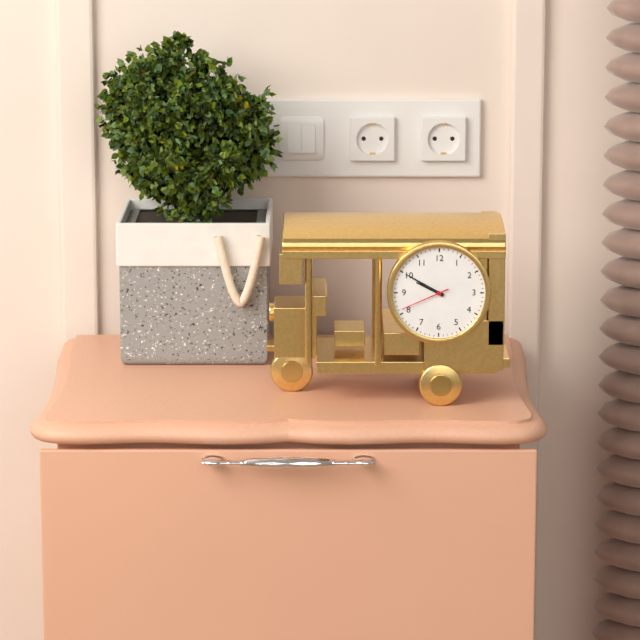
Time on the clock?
9:50:41
